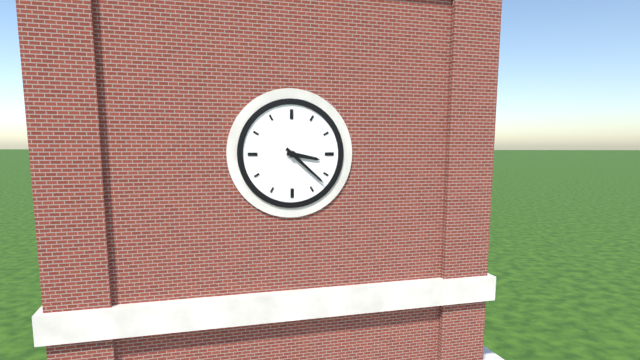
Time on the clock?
3:22
